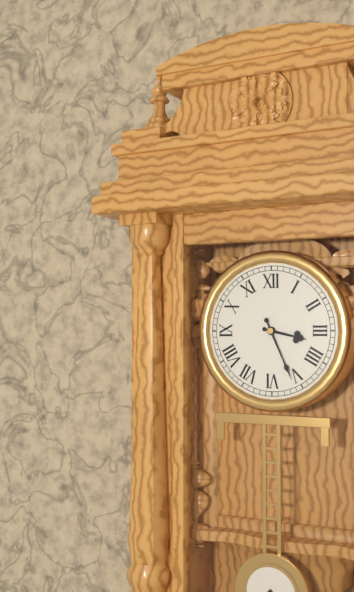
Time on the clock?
3:26
